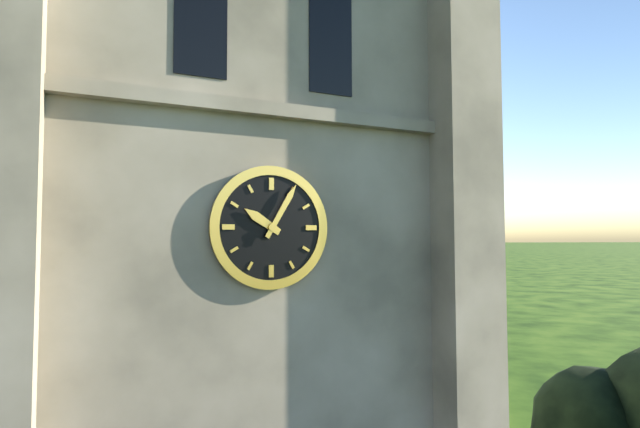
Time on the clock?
10:05
